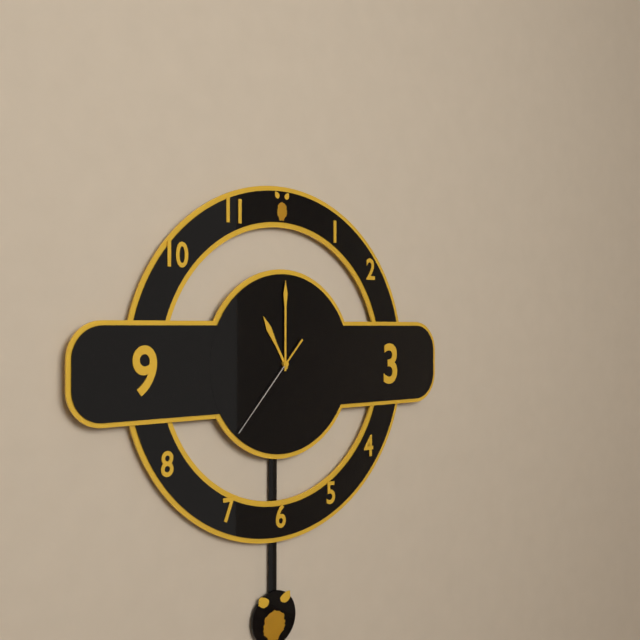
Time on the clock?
11:00:37
